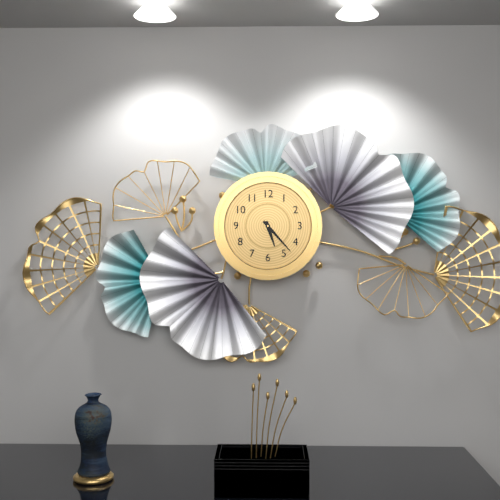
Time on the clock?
5:23
